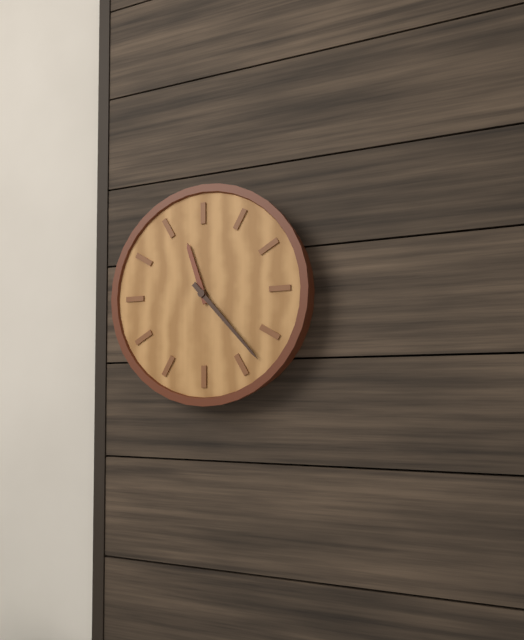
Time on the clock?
11:23
